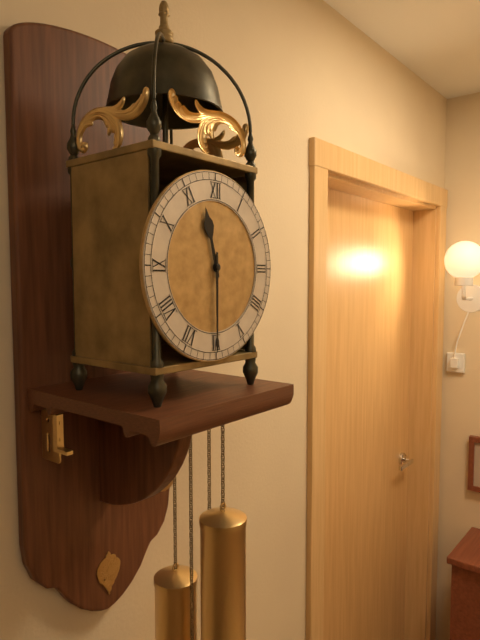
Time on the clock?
11:30
